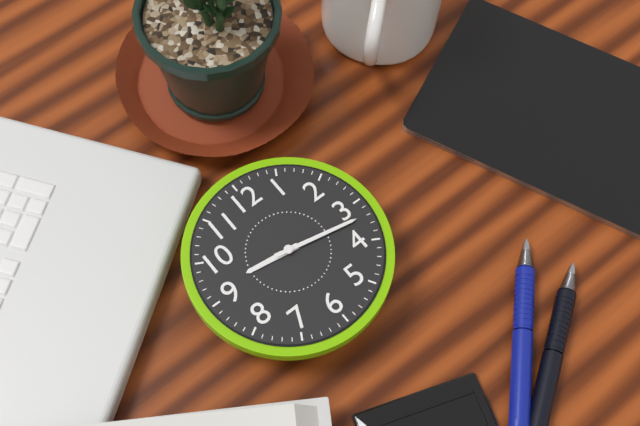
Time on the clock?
9:17
